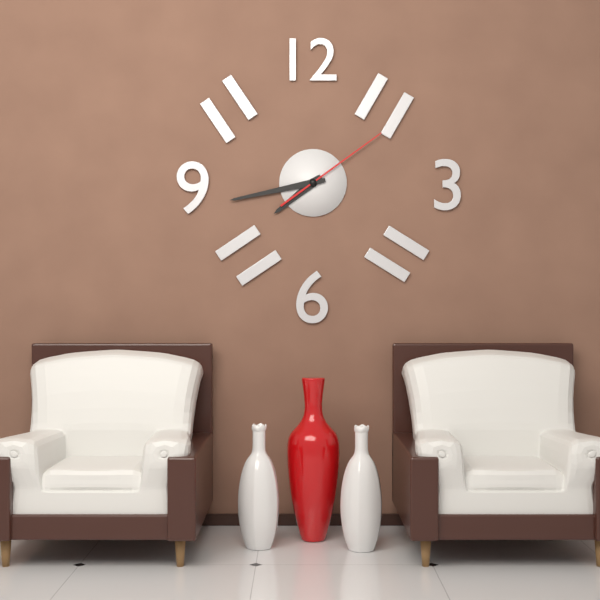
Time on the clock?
7:43:09
